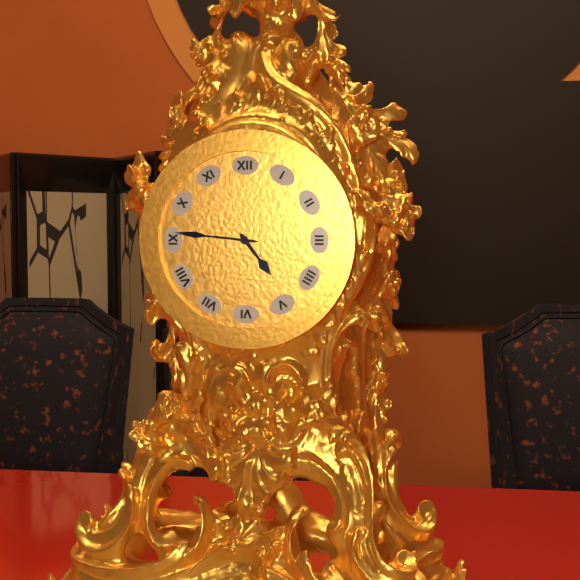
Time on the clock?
4:46
